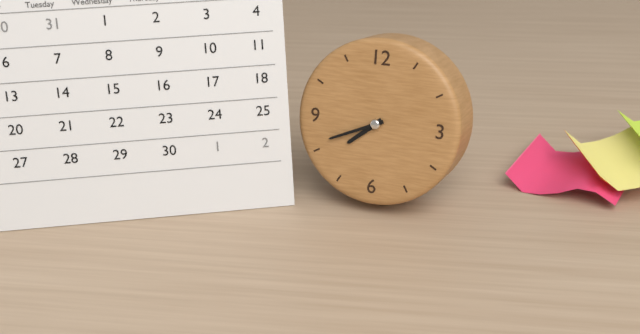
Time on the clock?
7:41
